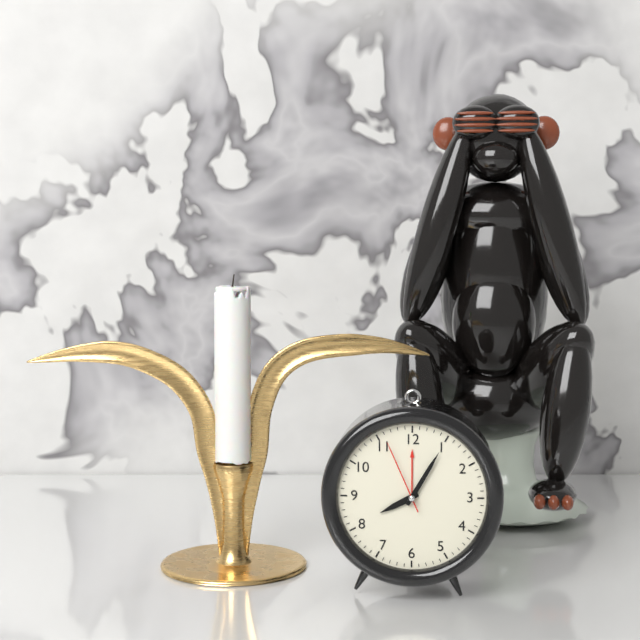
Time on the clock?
8:05:56
